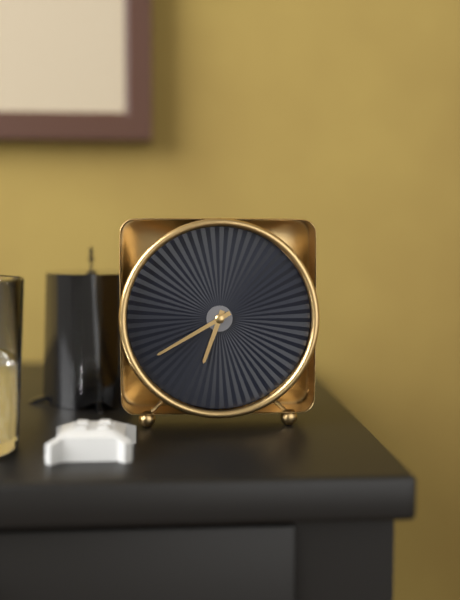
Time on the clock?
6:40
